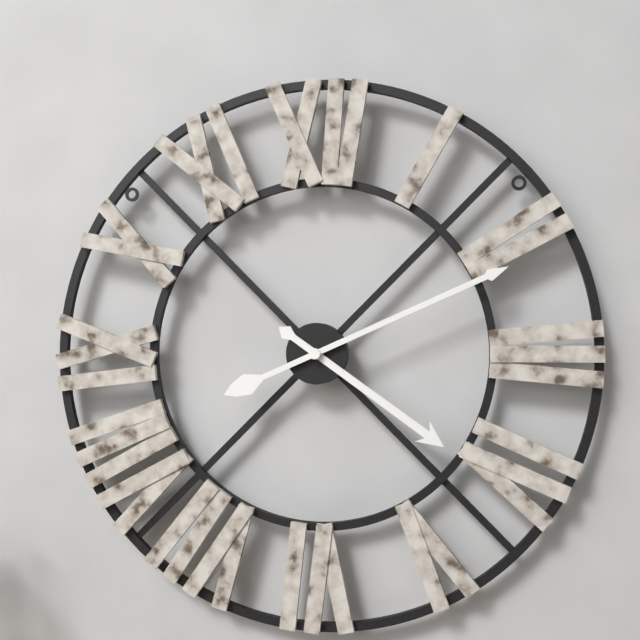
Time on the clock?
4:11
